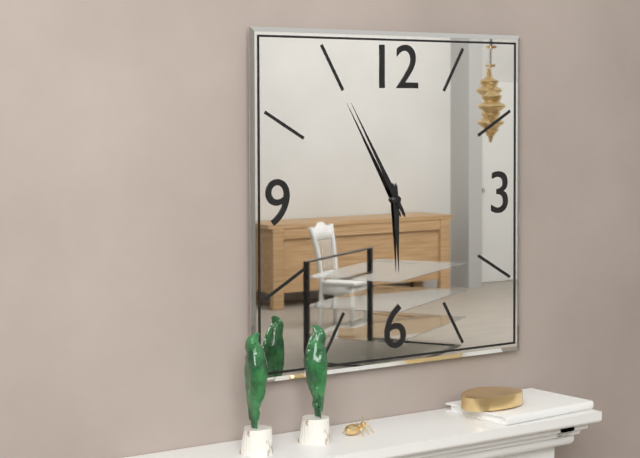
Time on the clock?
5:55
